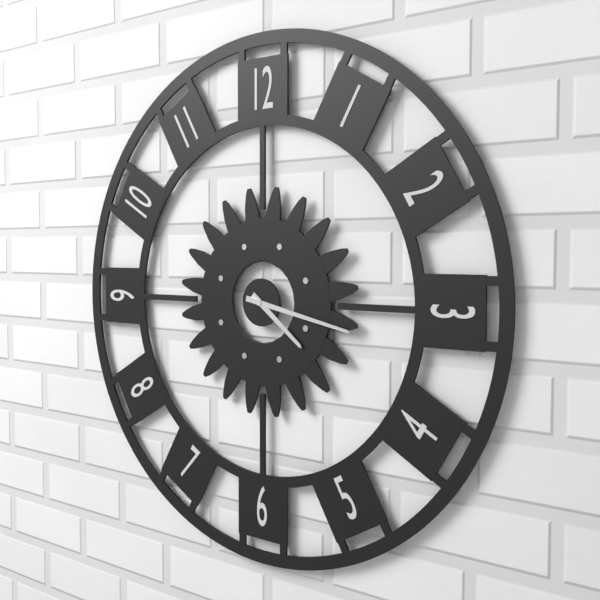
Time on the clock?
4:17
